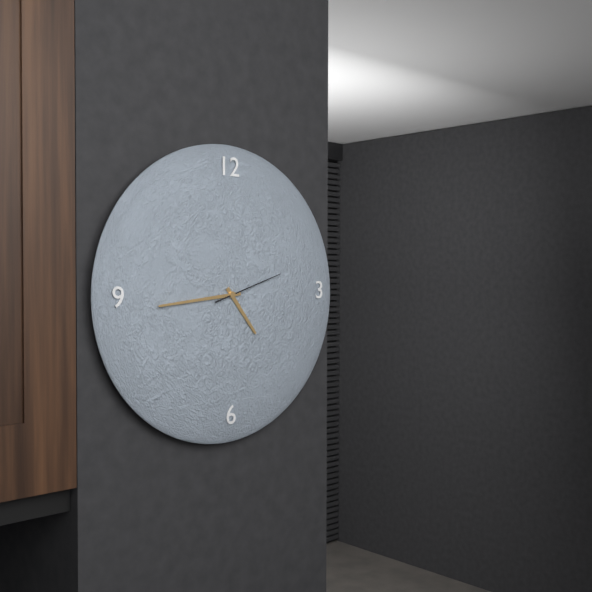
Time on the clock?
4:44:12
